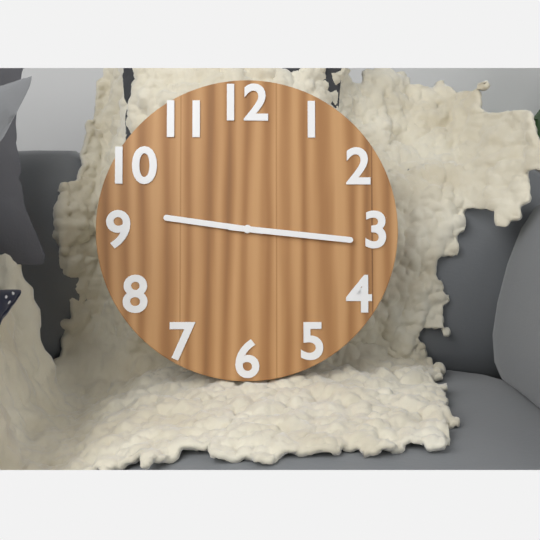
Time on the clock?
9:16
